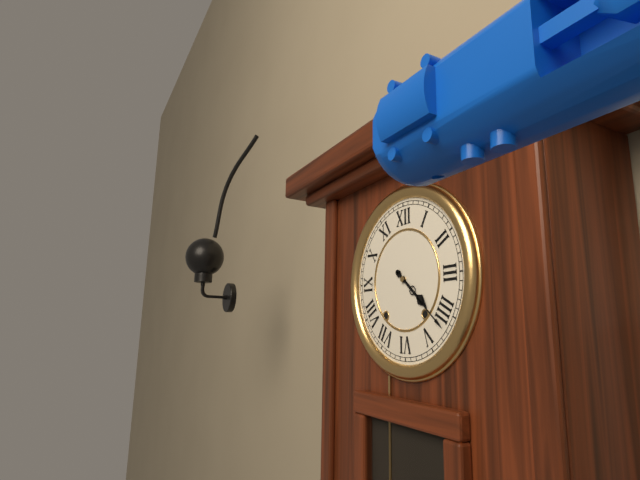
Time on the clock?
4:22
